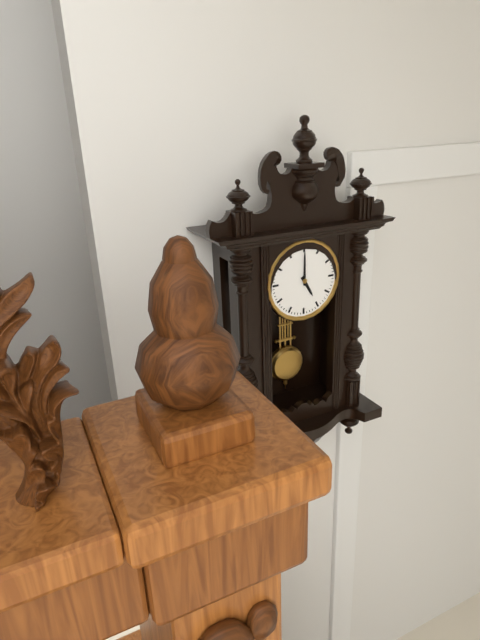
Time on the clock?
5:00
